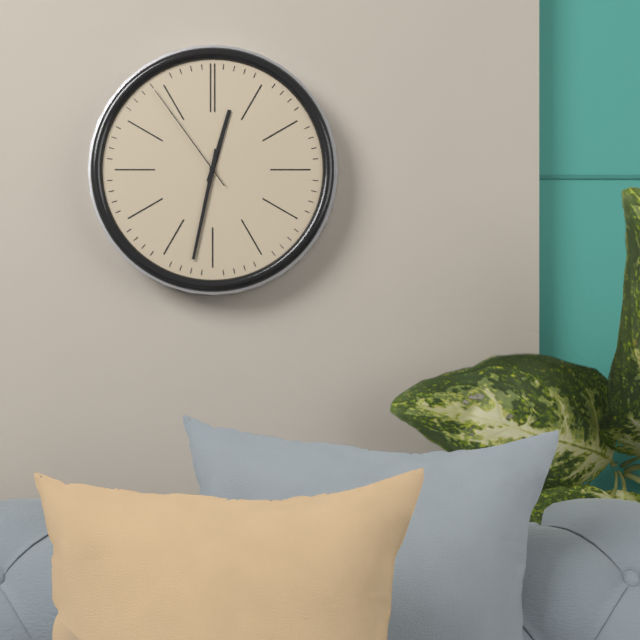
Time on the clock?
12:32:54
